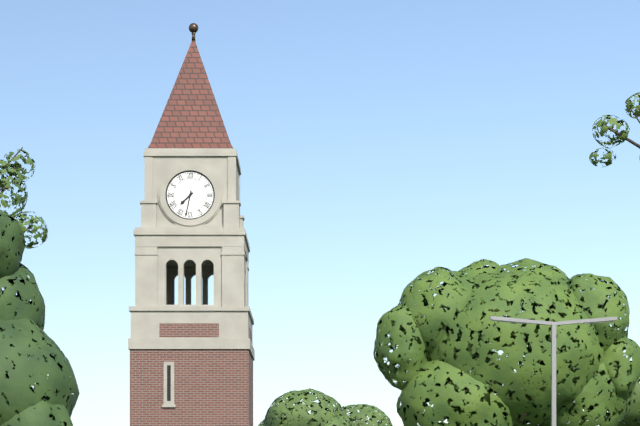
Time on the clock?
7:32
